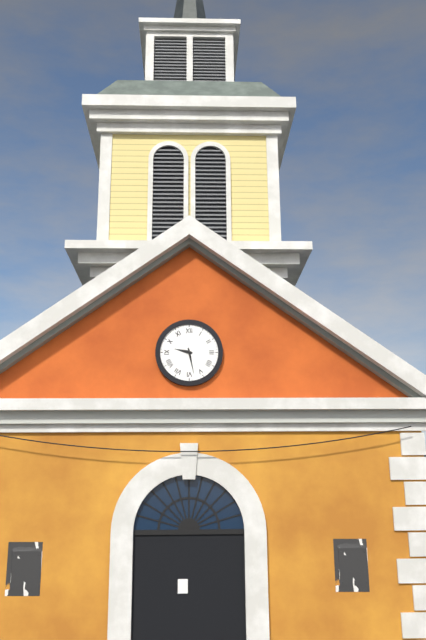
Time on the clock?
9:28
